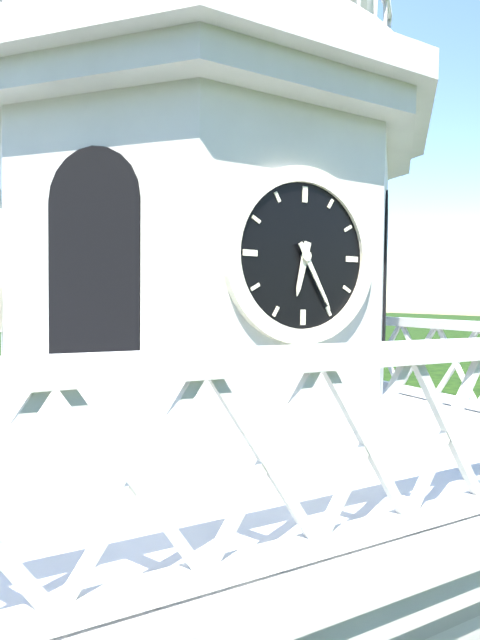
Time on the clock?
6:25
